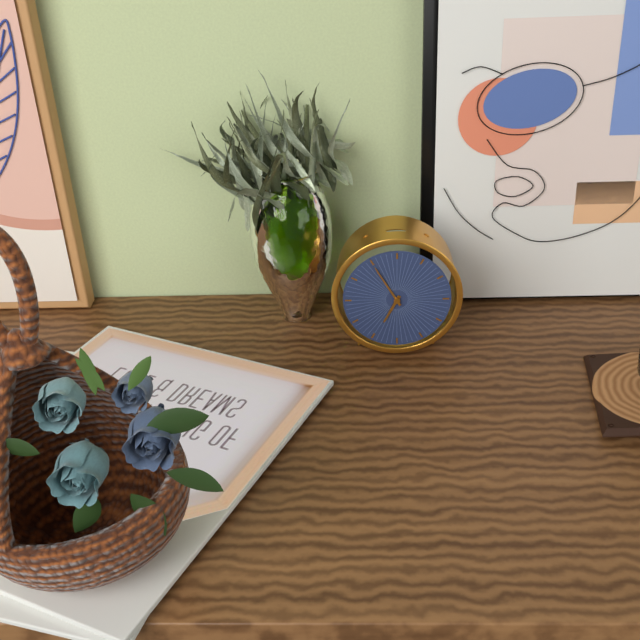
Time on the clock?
6:55
